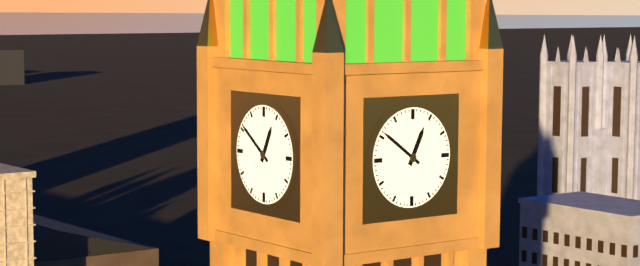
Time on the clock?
12:51
